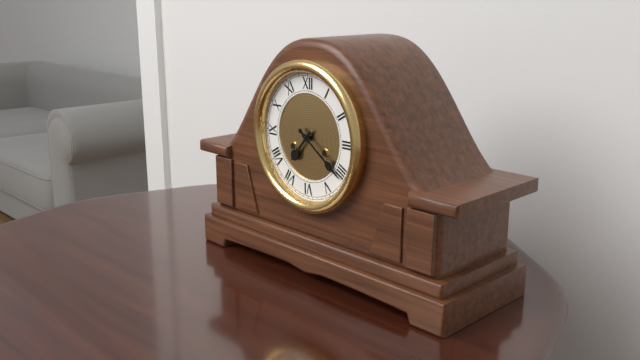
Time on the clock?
7:21
